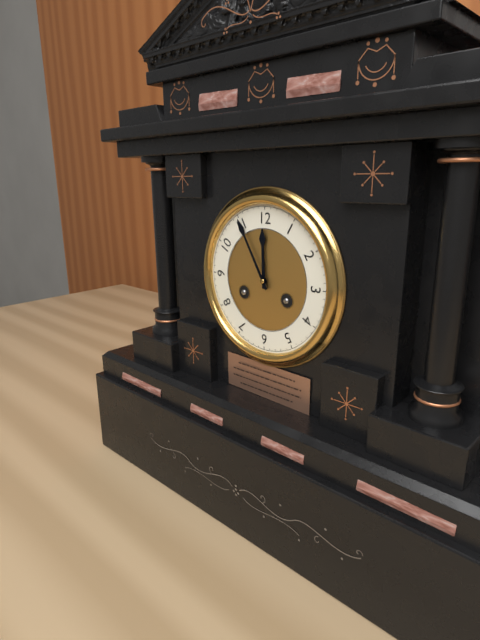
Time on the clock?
11:55
